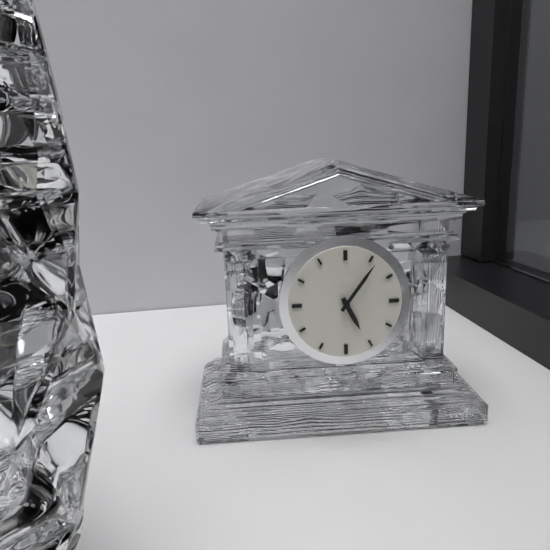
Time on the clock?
5:06
